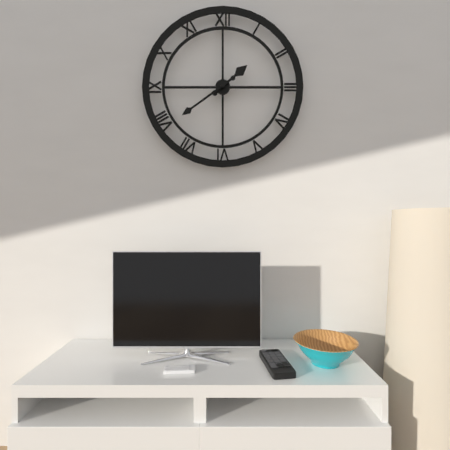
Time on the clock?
1:39
